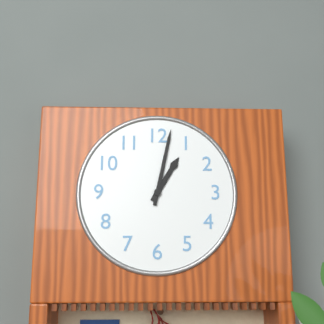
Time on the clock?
1:02
